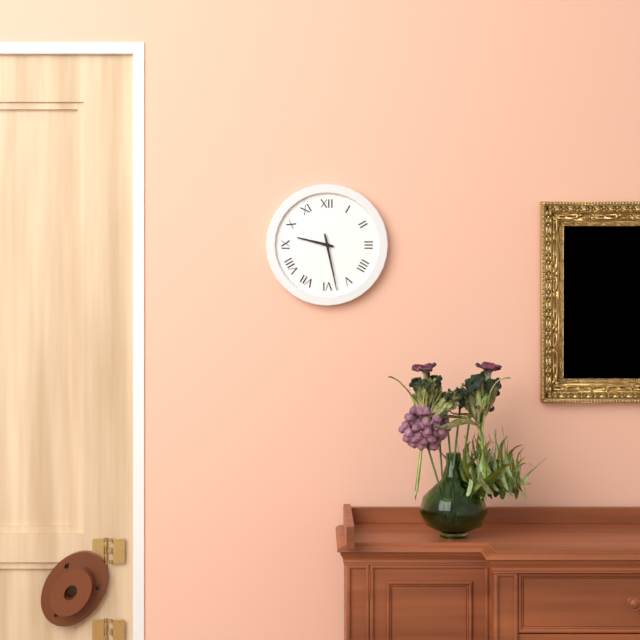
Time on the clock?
9:28
